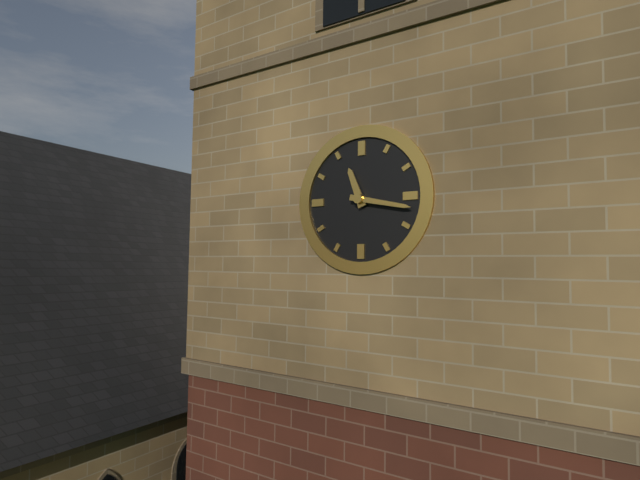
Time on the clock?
11:17
